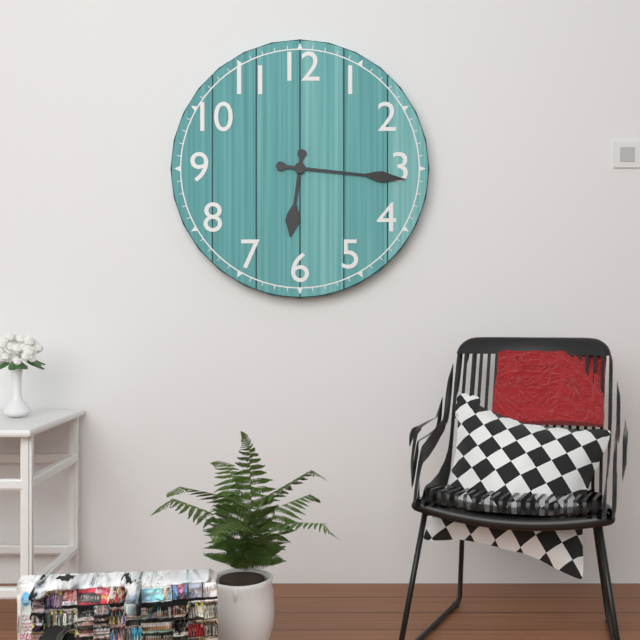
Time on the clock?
6:16
